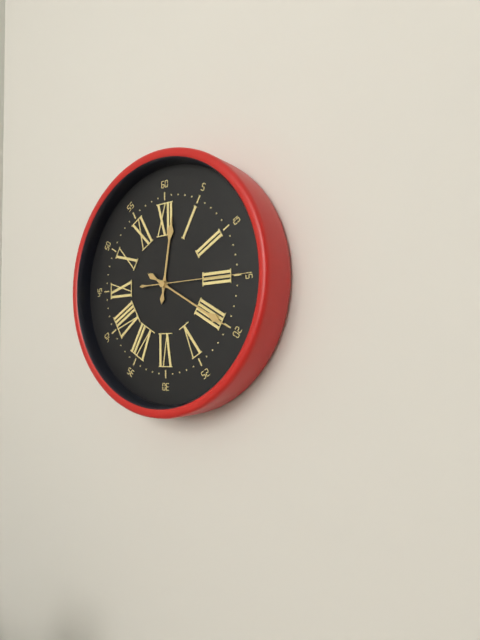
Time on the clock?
12:20:15
